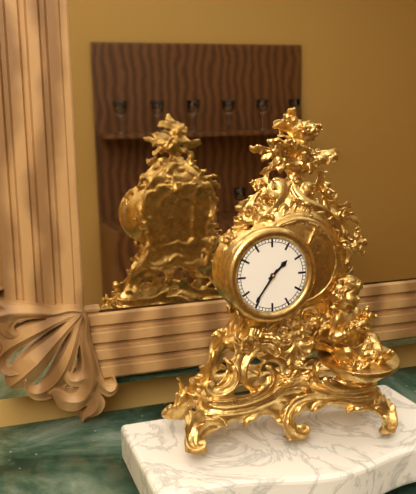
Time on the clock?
1:36
